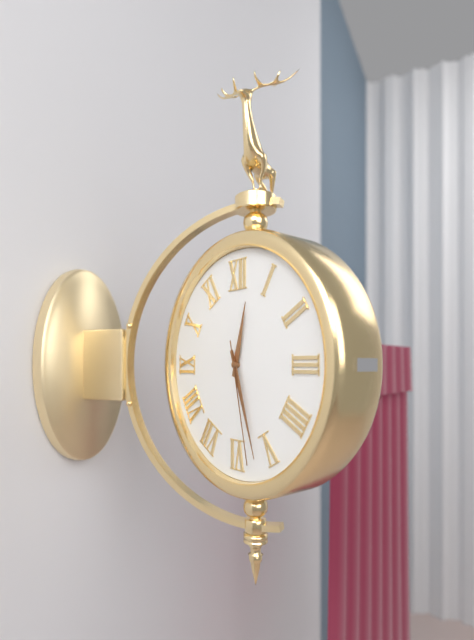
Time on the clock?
12:27:28
